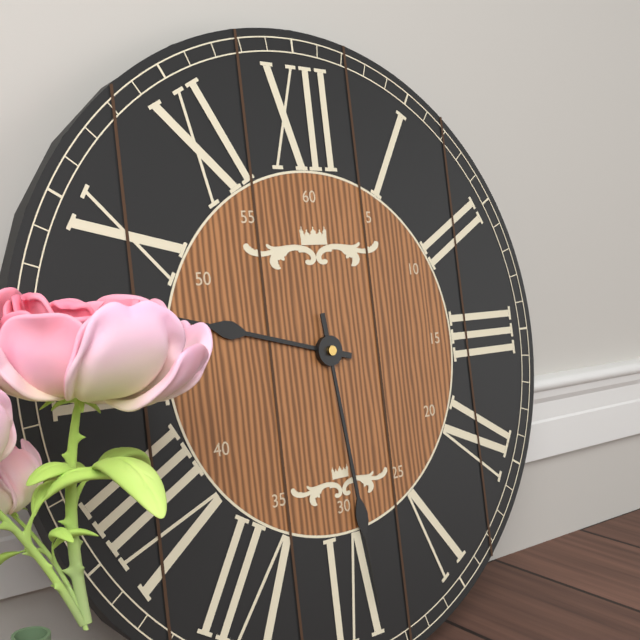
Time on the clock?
9:29
